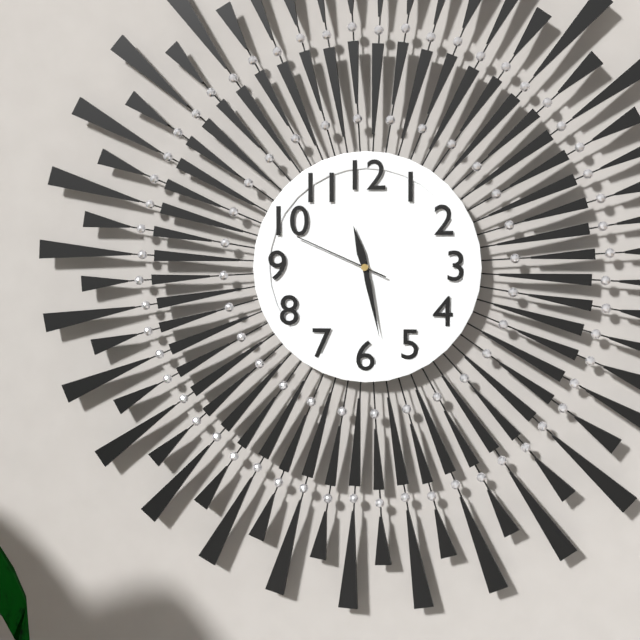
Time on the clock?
11:28:49
